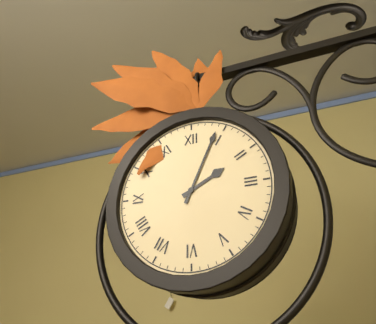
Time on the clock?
2:04
